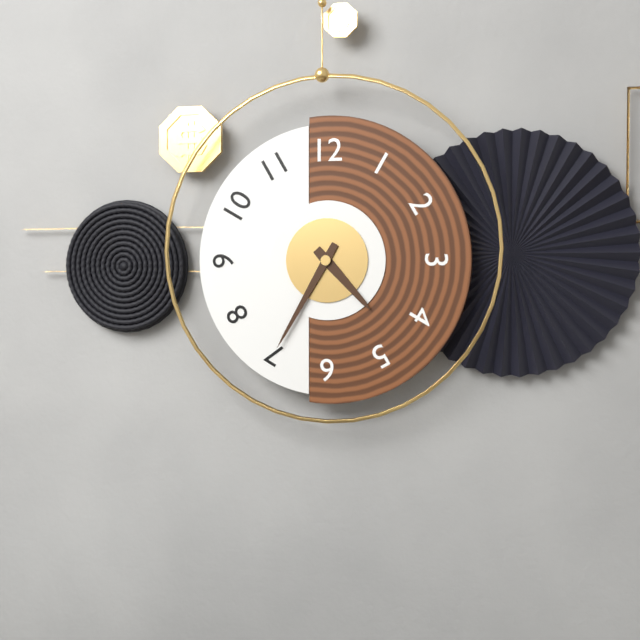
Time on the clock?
4:35
